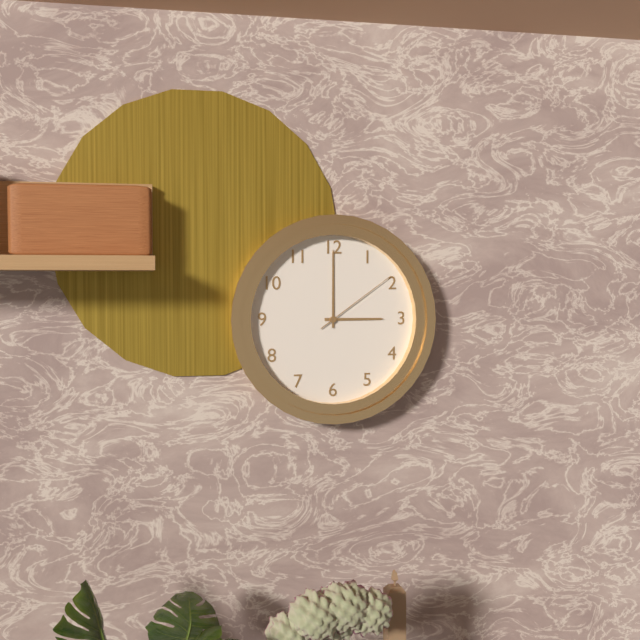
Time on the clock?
3:00:09
